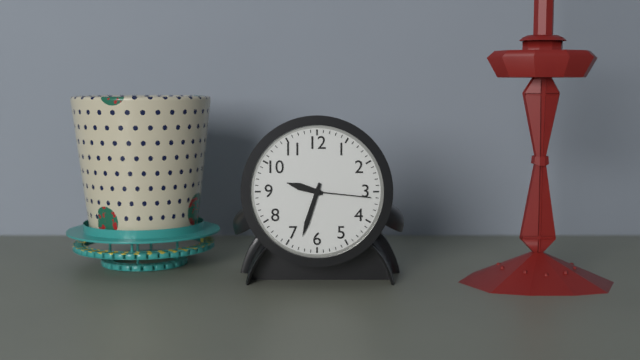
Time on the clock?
9:33:16
